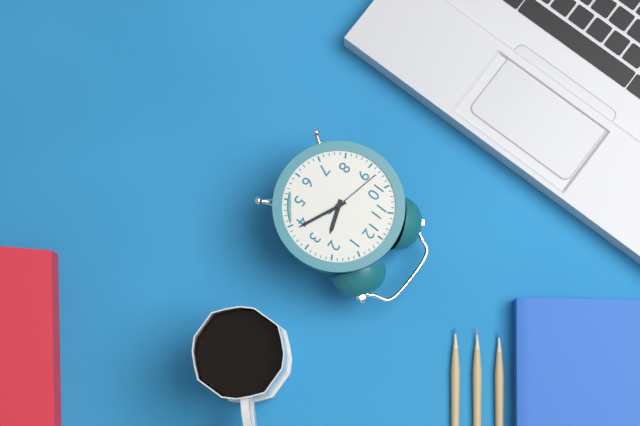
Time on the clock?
2:19:47
